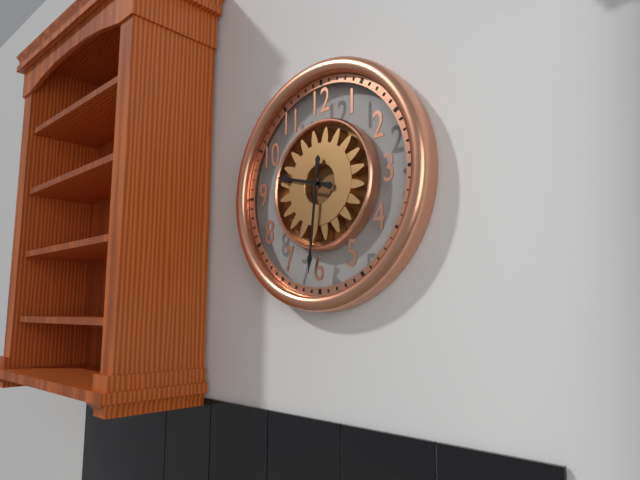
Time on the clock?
9:31
